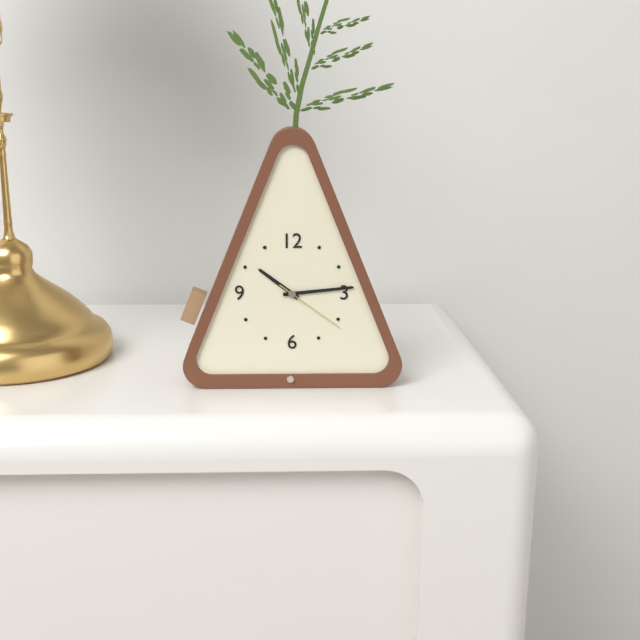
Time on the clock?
10:14:21
